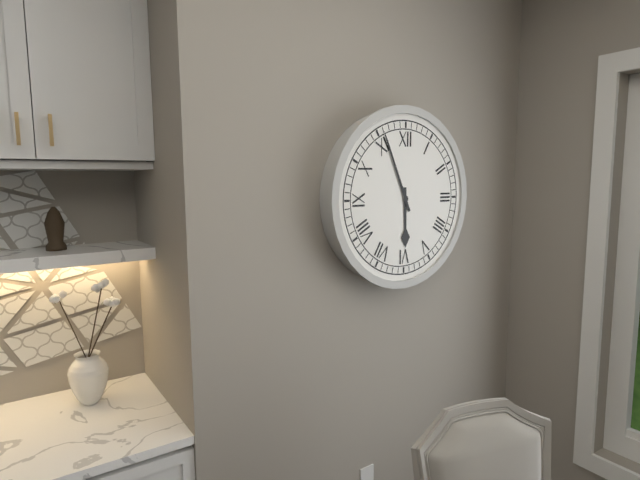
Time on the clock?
5:56
